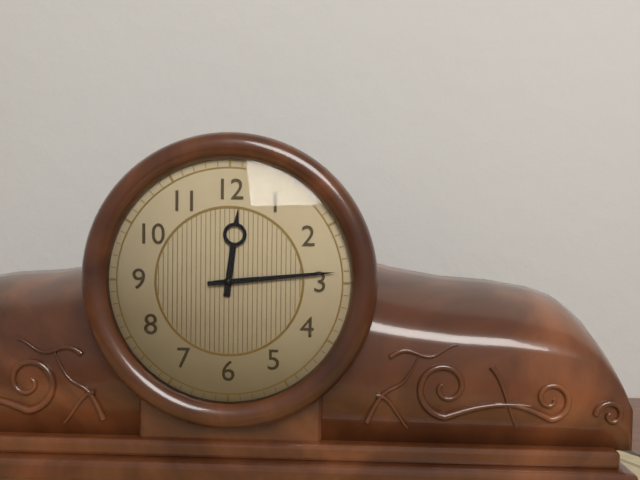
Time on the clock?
12:14
